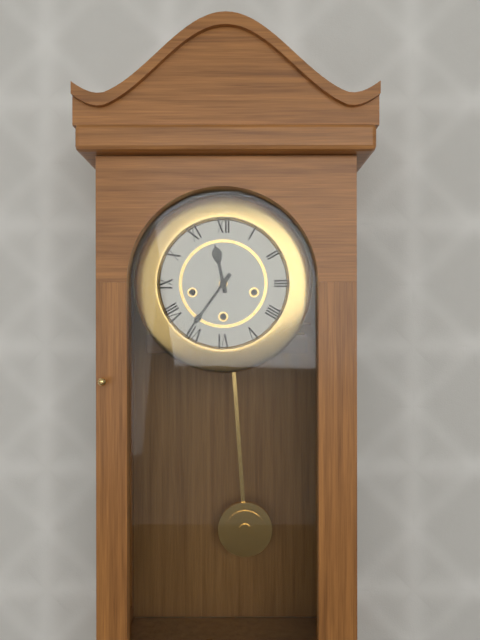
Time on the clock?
11:36
